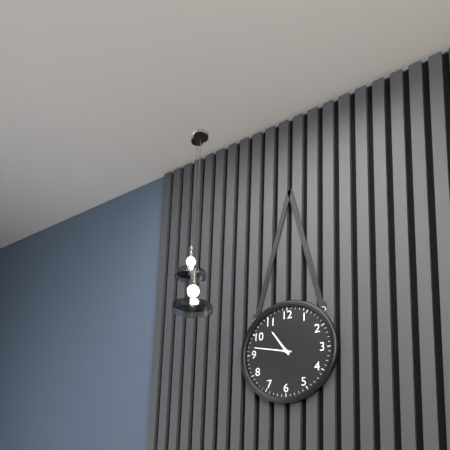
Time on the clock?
10:47
